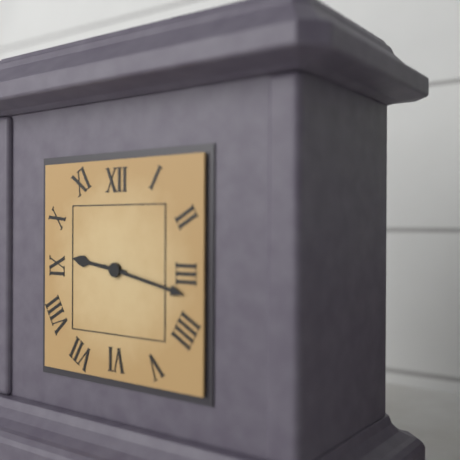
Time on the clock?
9:17
